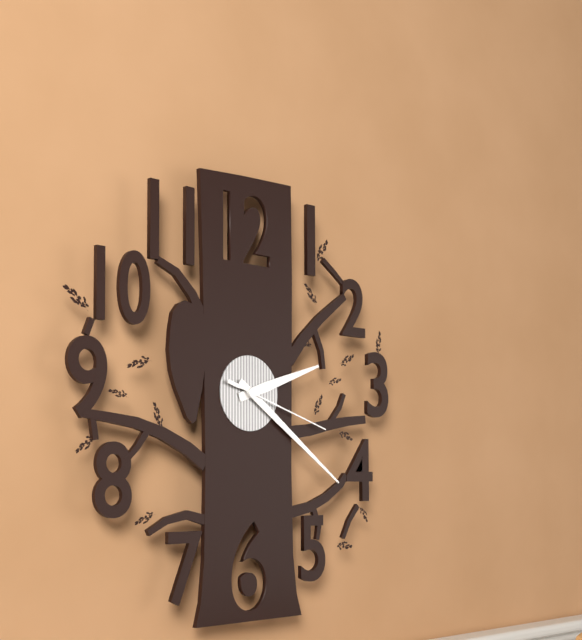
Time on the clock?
2:21:18
